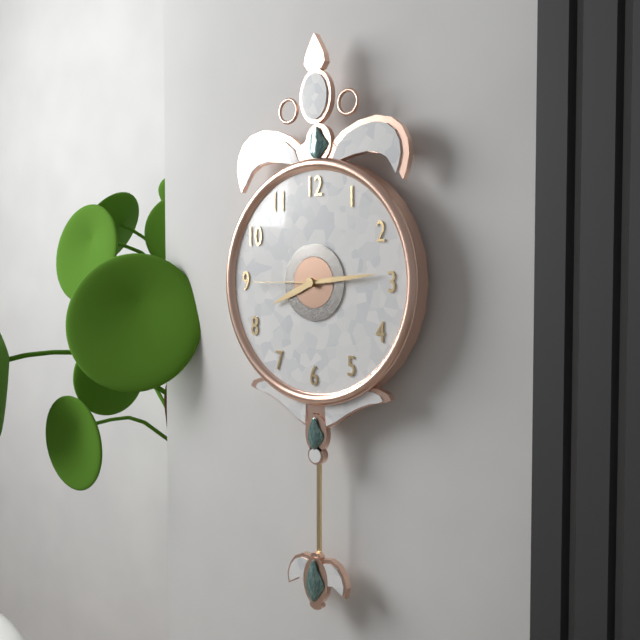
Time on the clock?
8:14:45
